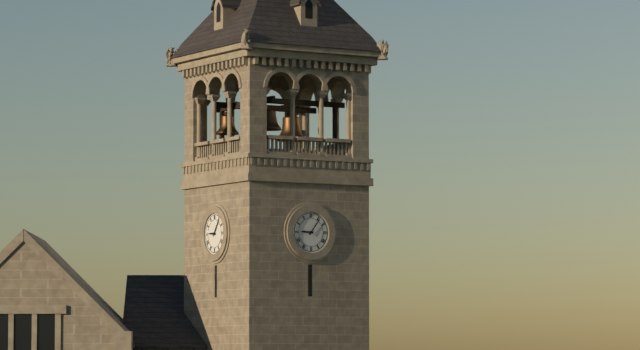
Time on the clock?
9:06
